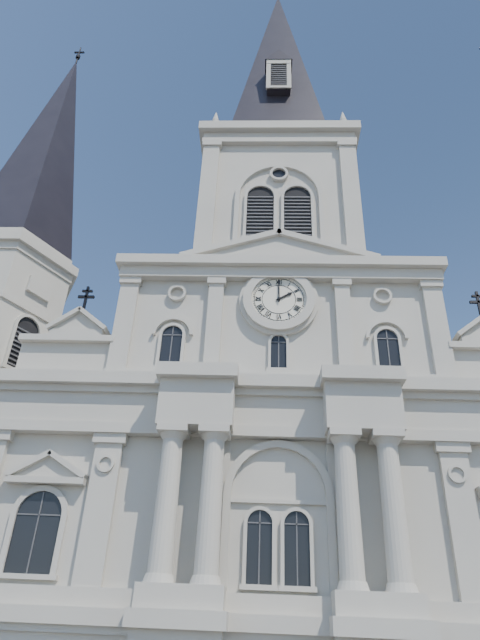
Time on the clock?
2:00
